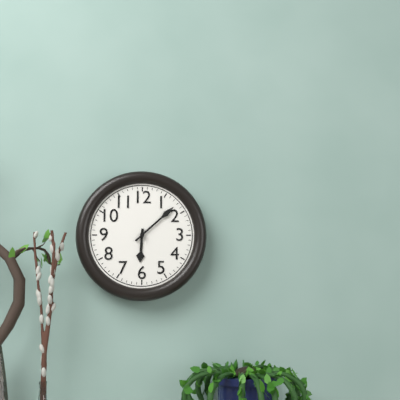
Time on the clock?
6:08
